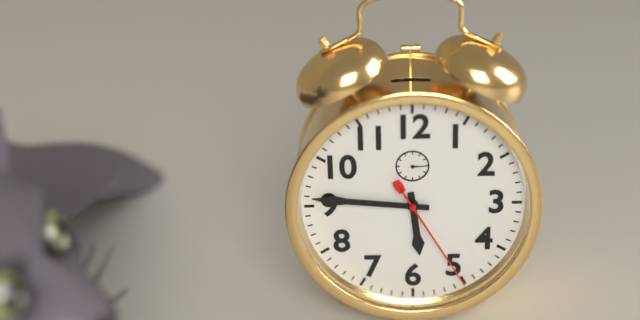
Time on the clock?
5:46:25
